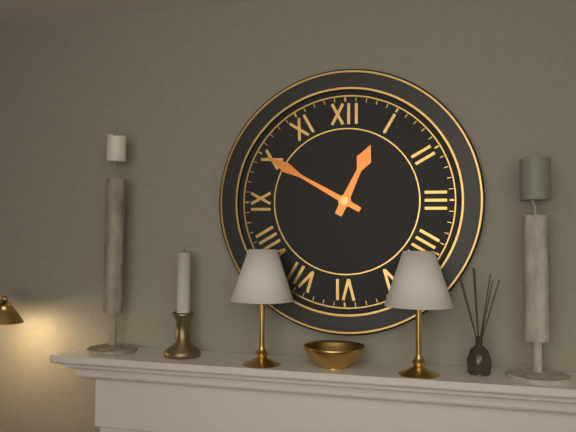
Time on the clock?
12:50
